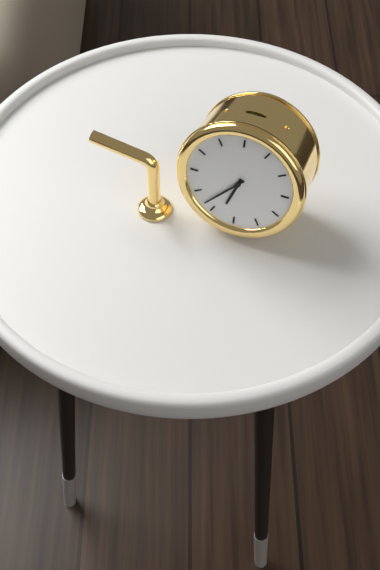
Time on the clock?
6:37
